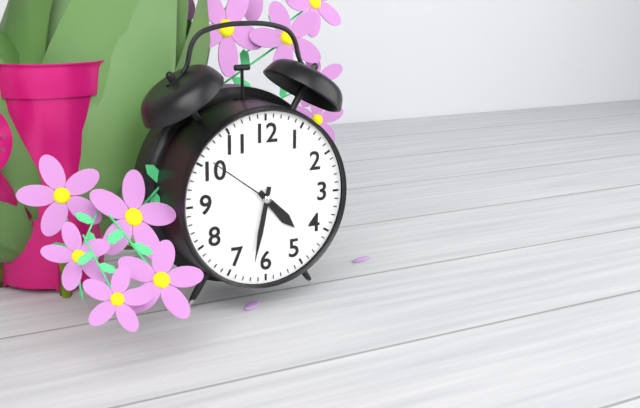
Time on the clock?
4:32:51
